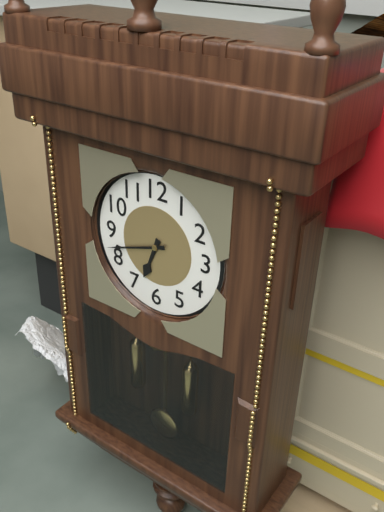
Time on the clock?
6:42
